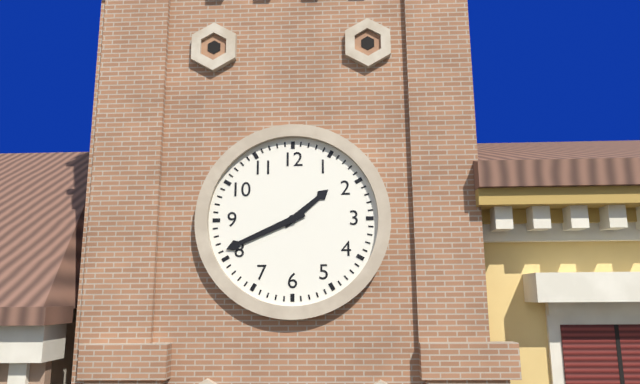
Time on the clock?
1:41
